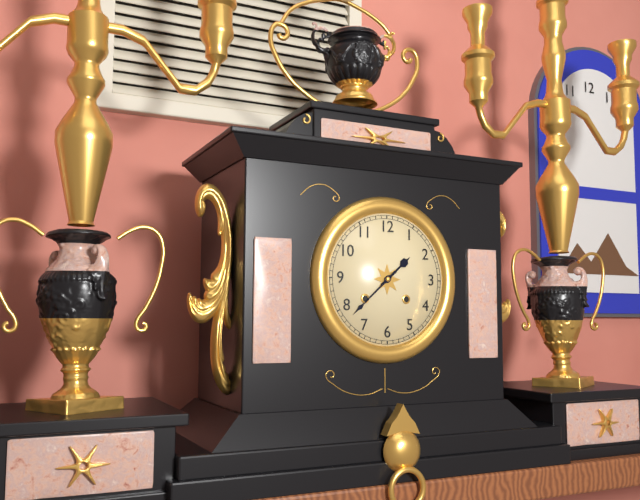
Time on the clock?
1:38
